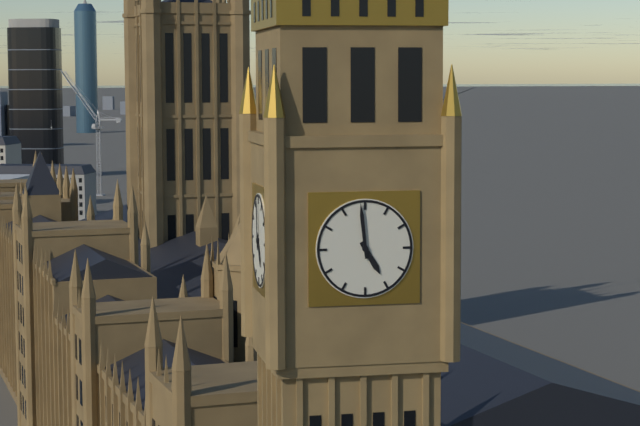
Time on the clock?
4:59
